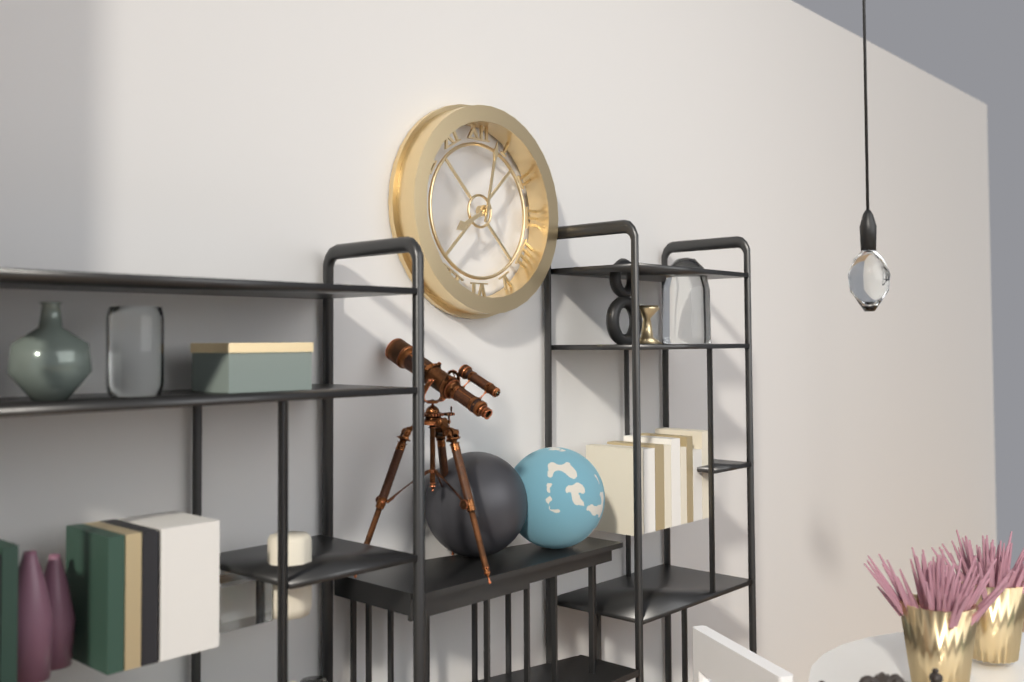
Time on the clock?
8:02
